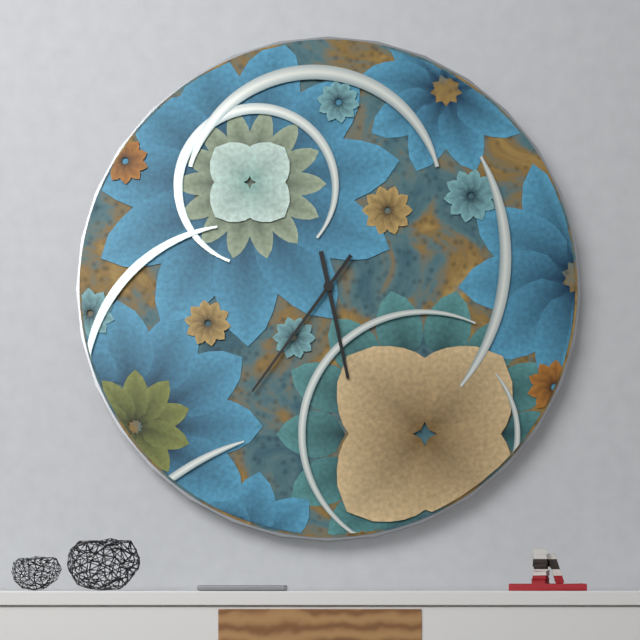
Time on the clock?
5:36
